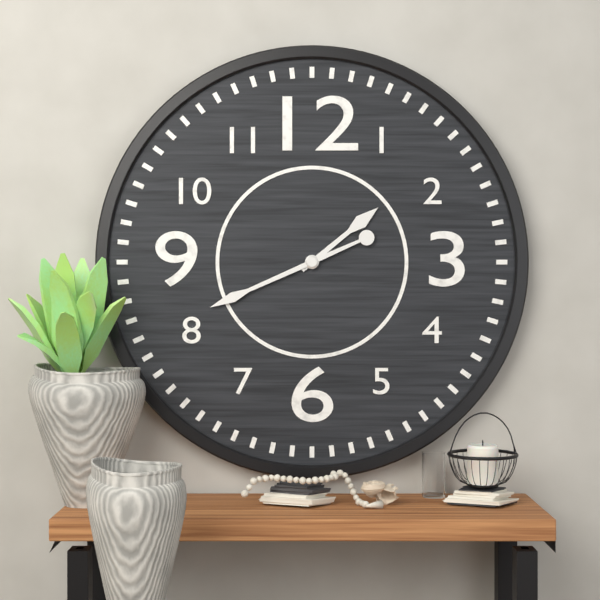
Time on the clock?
1:41
